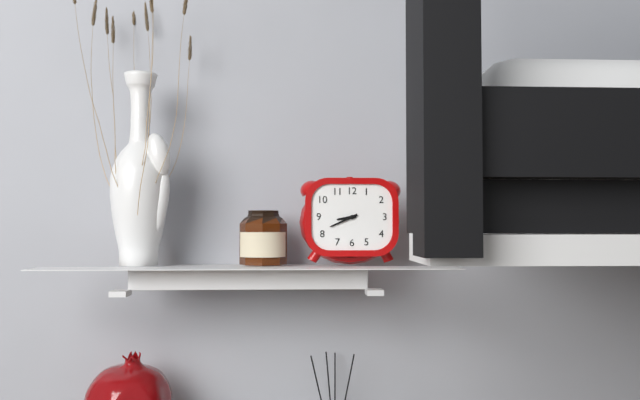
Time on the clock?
8:41
